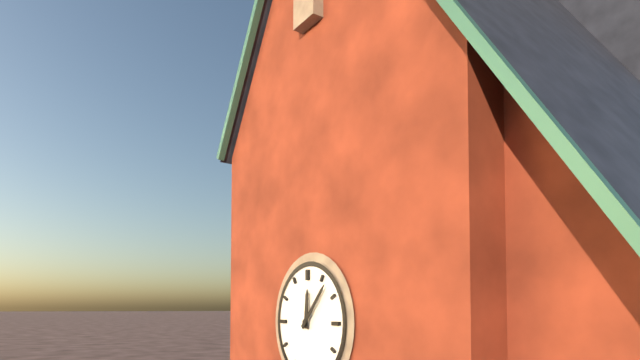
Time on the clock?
12:07
